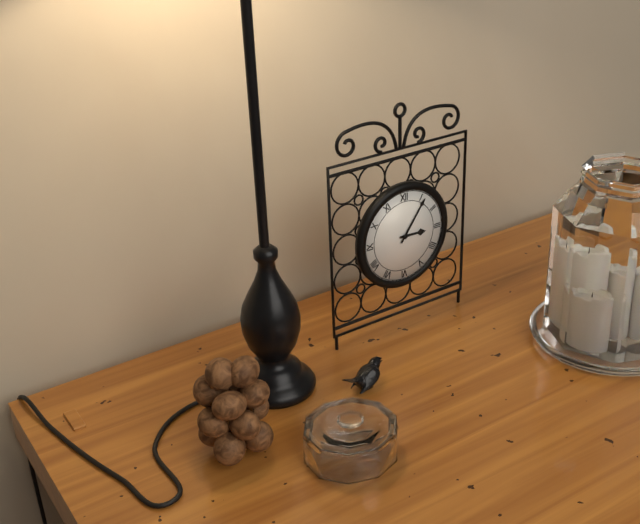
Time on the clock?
3:06
